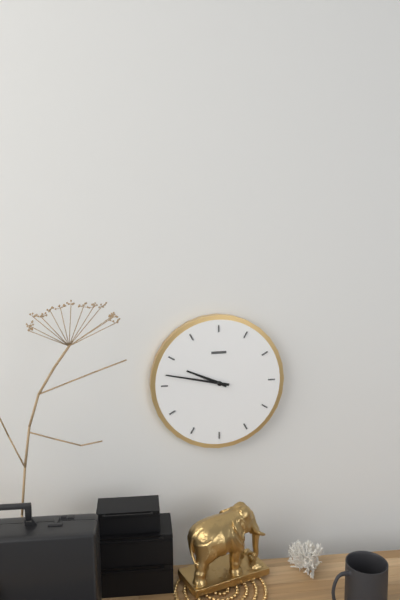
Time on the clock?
9:47
